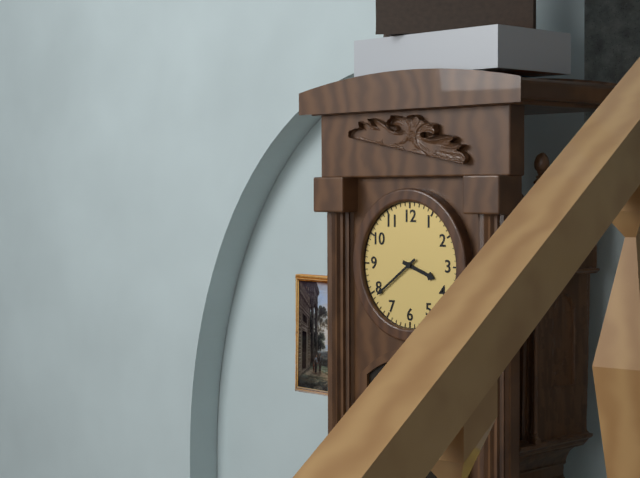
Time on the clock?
3:39
